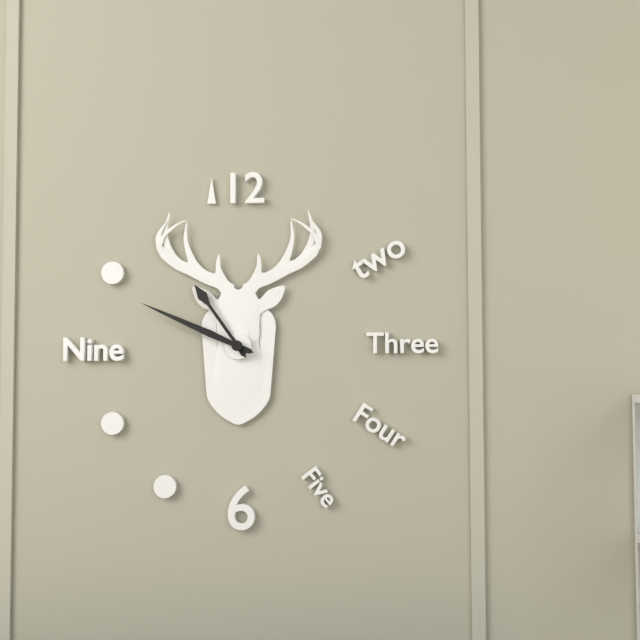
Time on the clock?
10:49
